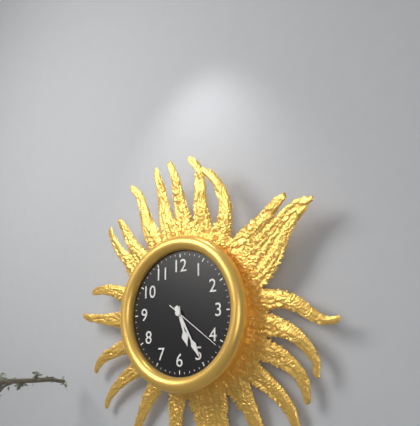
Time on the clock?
5:25:21
